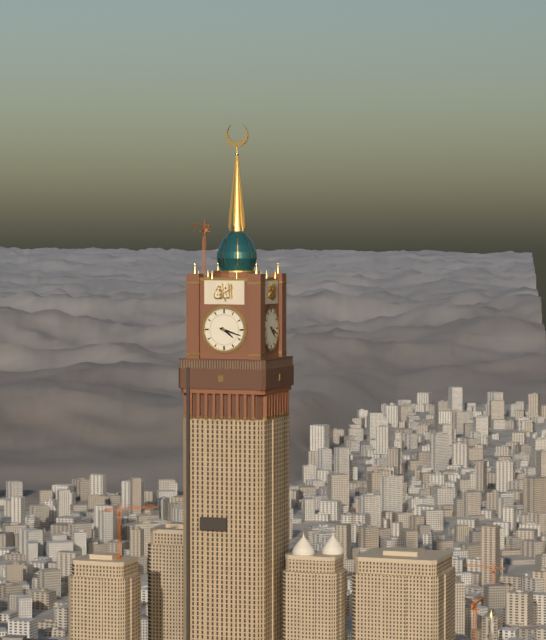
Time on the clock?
4:18
